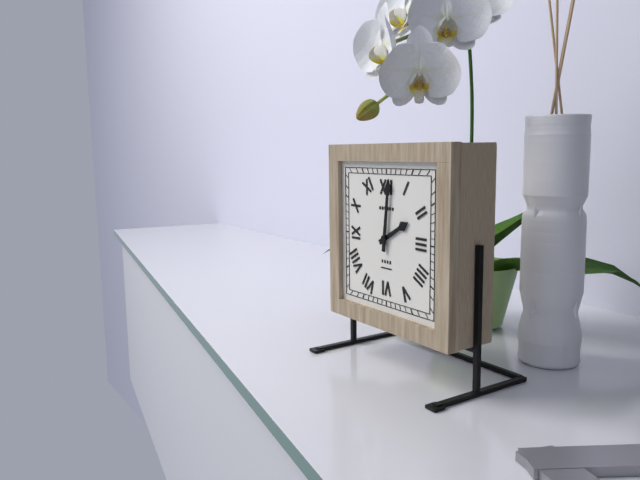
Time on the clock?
2:01
